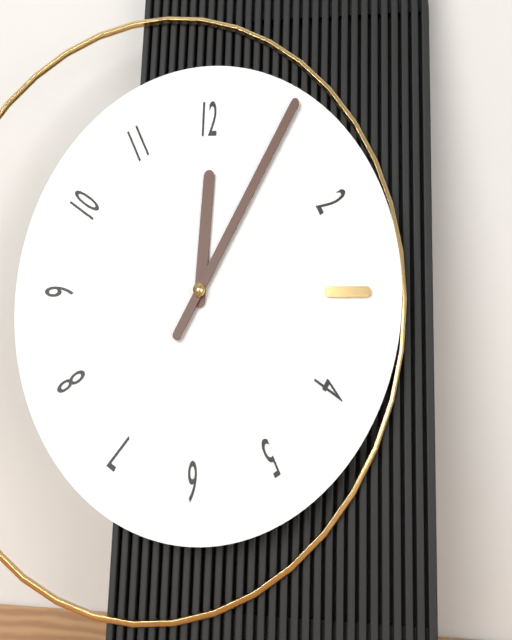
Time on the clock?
12:05
